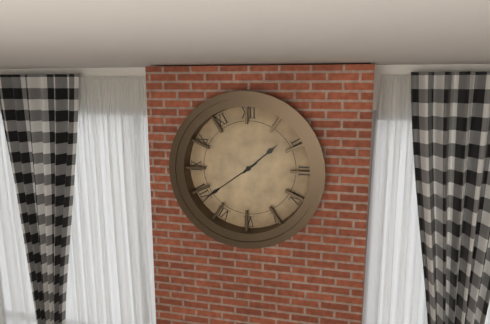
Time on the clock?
1:39
